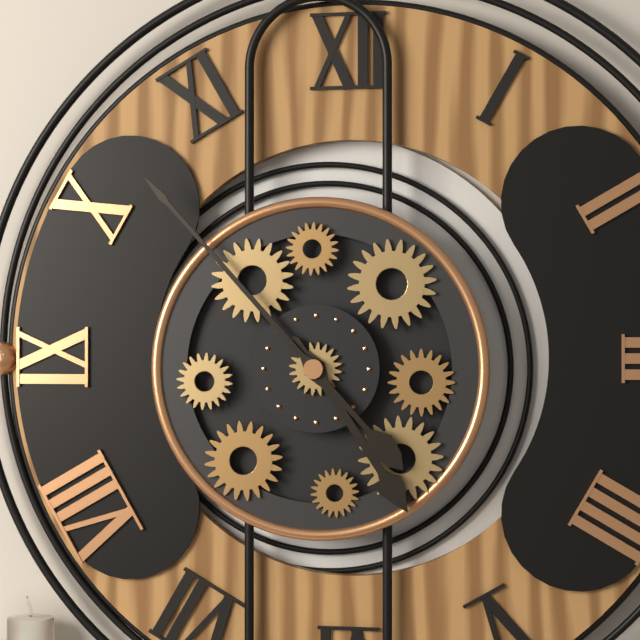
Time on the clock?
4:53
